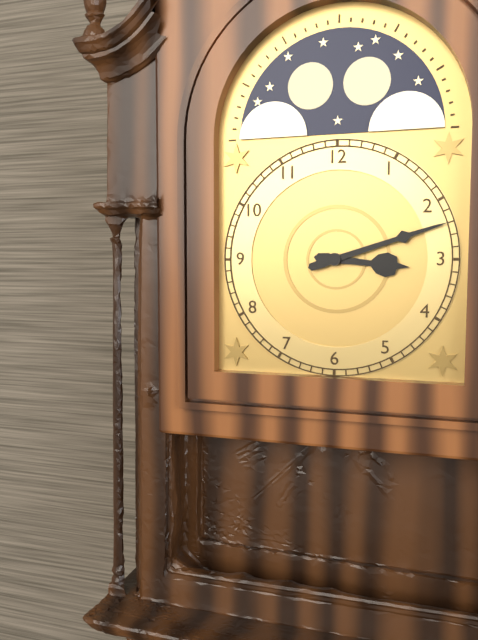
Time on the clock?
3:12
